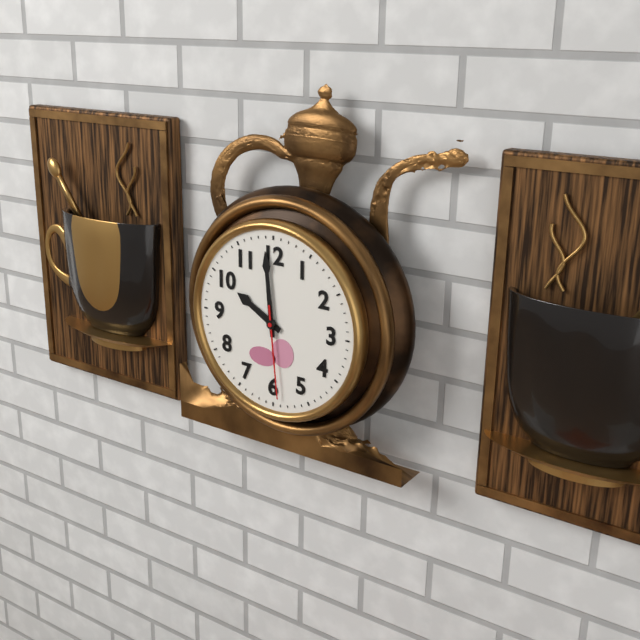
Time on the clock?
9:59:29
